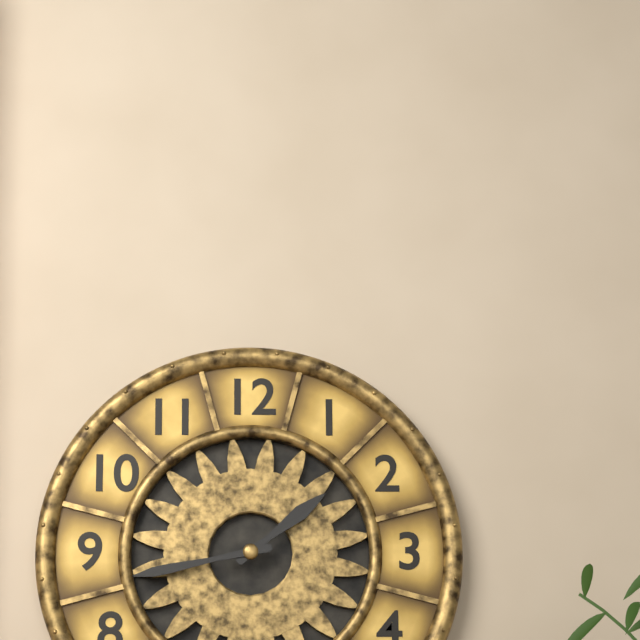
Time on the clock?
1:43
